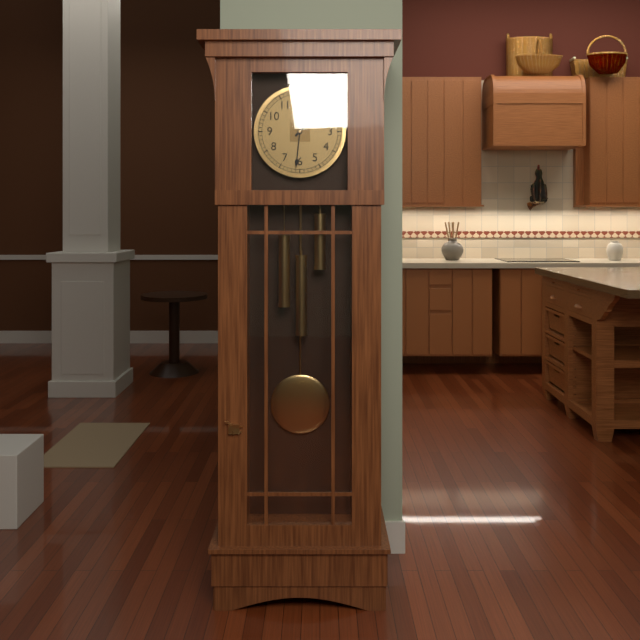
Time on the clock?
1:31
